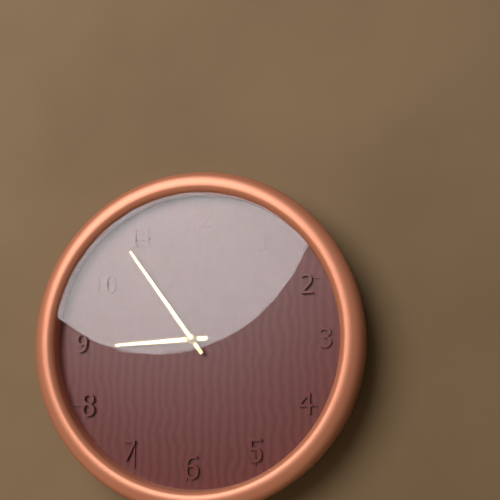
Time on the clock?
8:54
